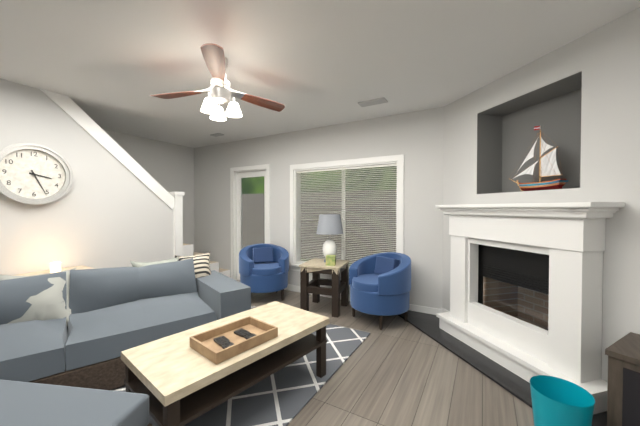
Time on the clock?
3:26
